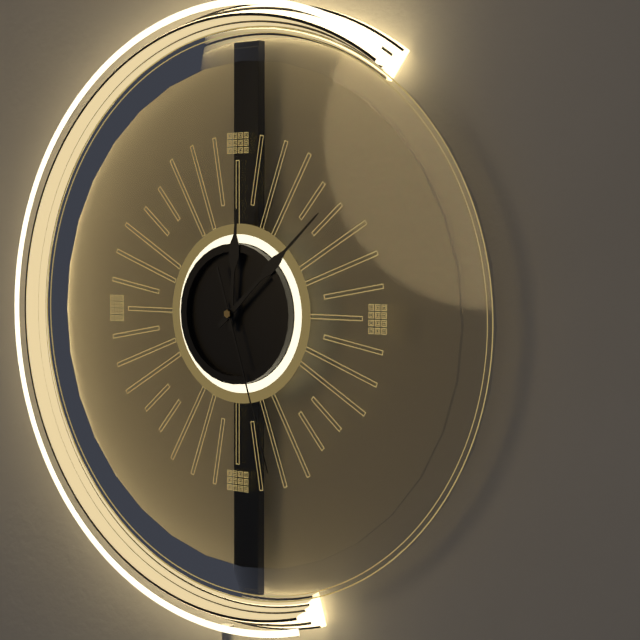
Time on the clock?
12:08:27
